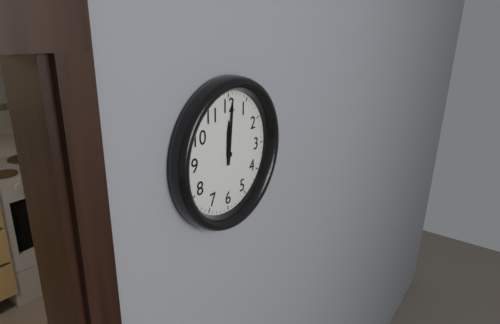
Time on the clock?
12:01
